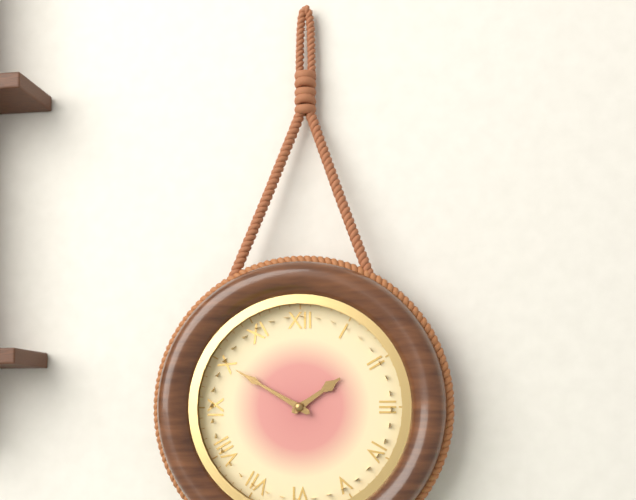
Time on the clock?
1:50
